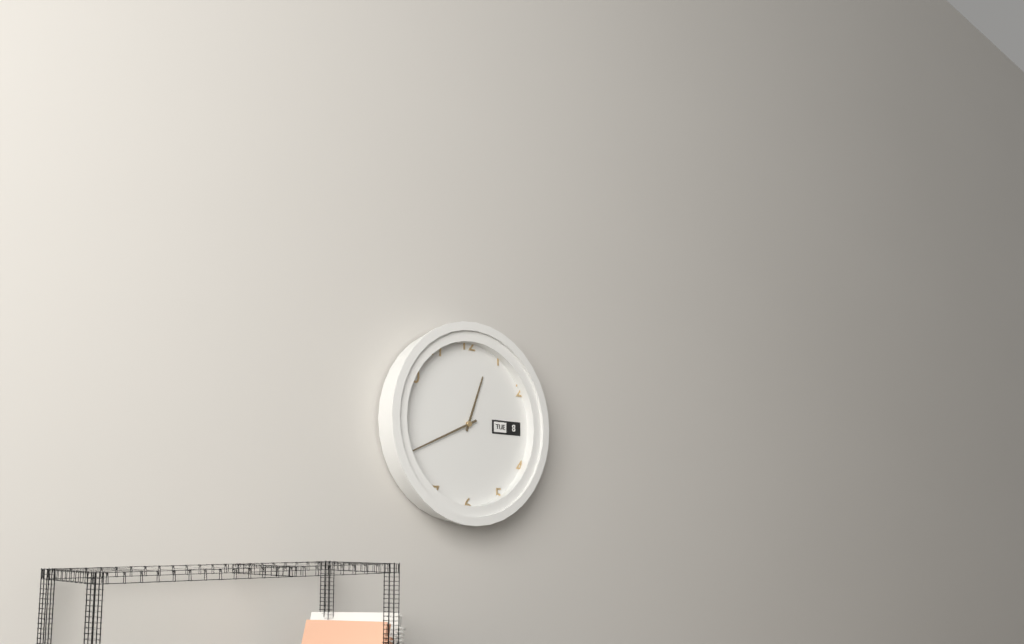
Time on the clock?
12:41
